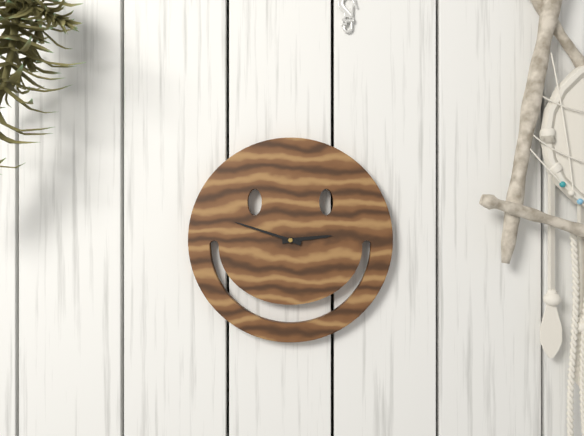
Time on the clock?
2:48
